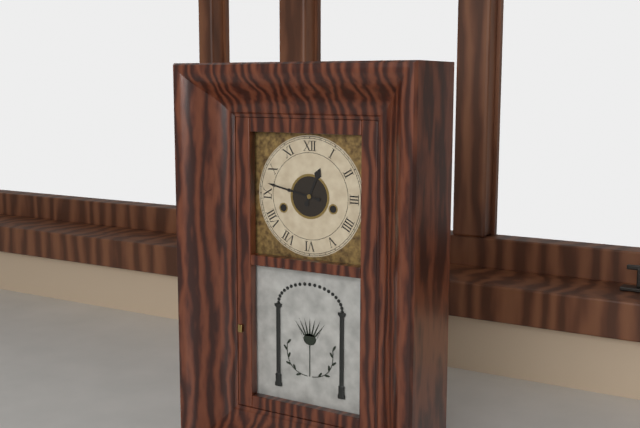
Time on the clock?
12:47
